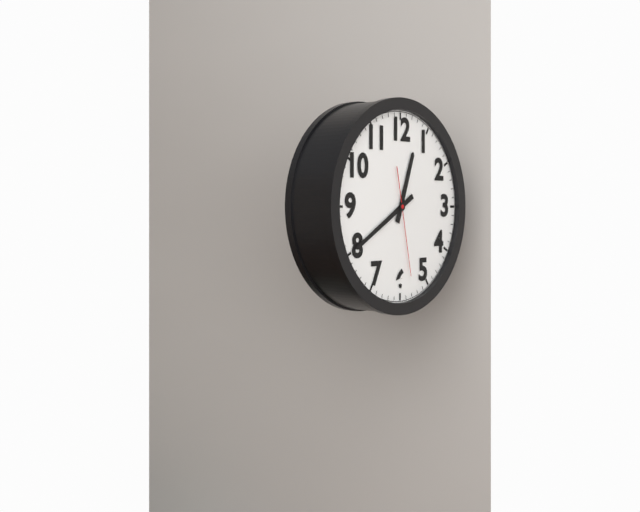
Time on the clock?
12:40:28
